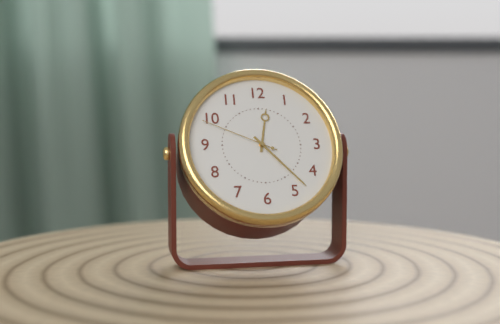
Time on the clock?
12:23:49
